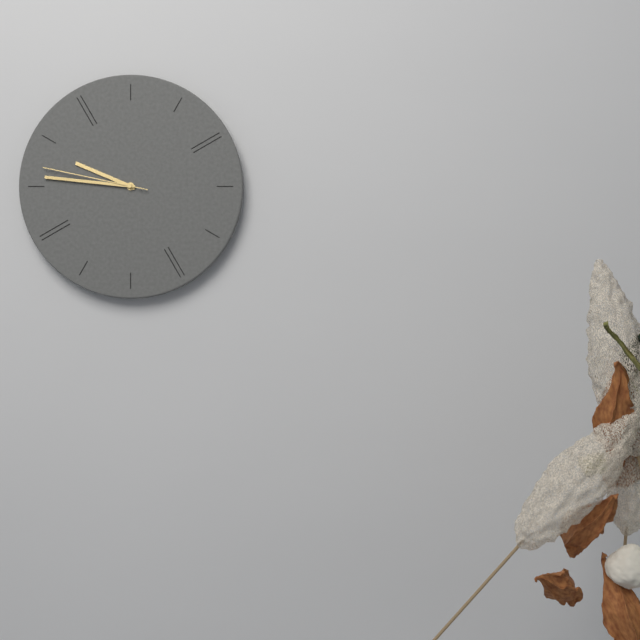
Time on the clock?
9:46:47
